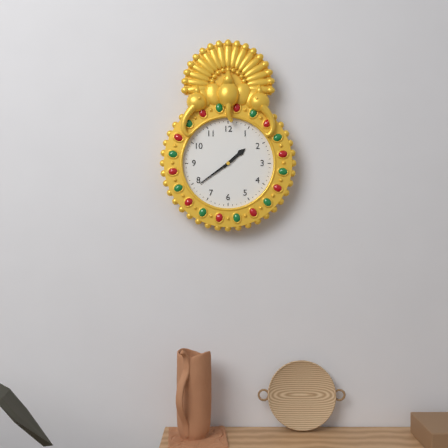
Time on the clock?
1:39
